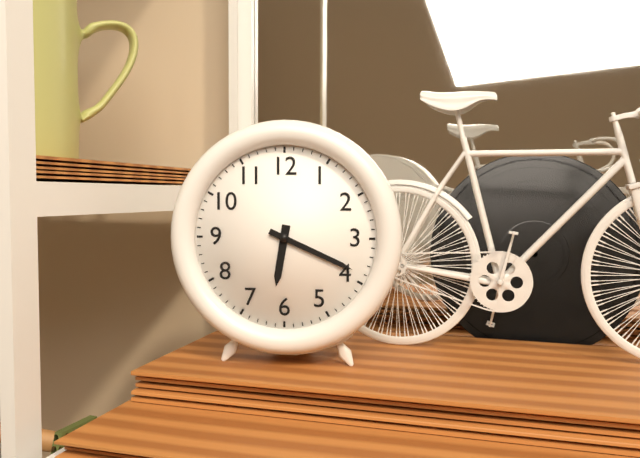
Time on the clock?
6:19
